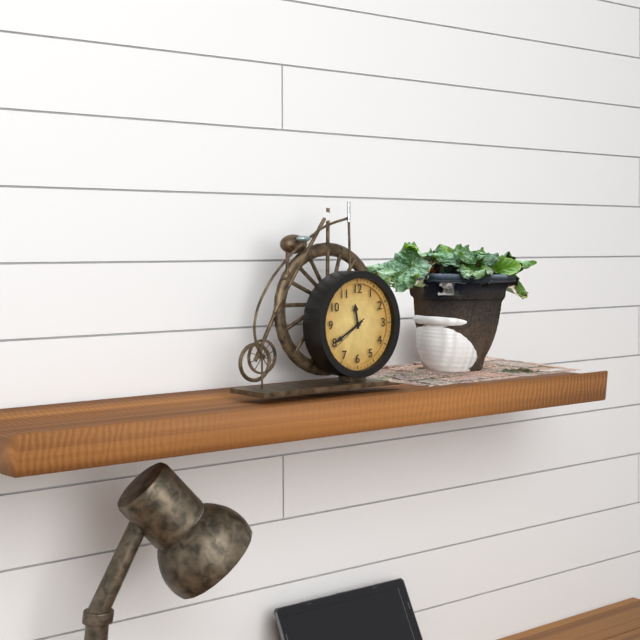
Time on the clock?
11:40
